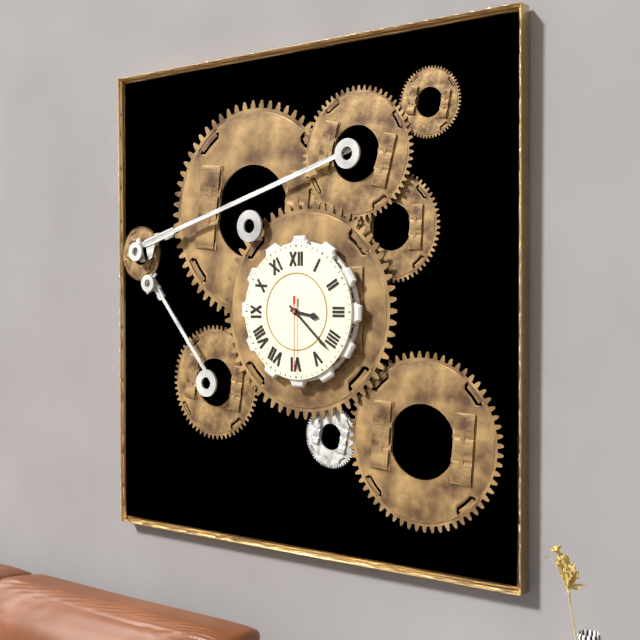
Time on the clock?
3:22:30
